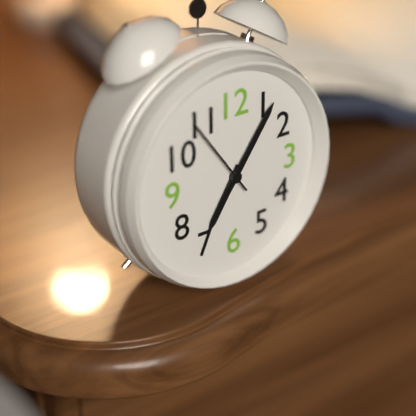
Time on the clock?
7:06:54
